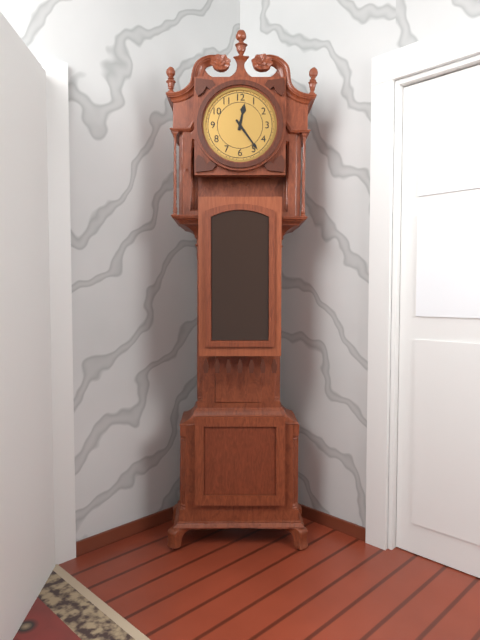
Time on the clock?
12:24
